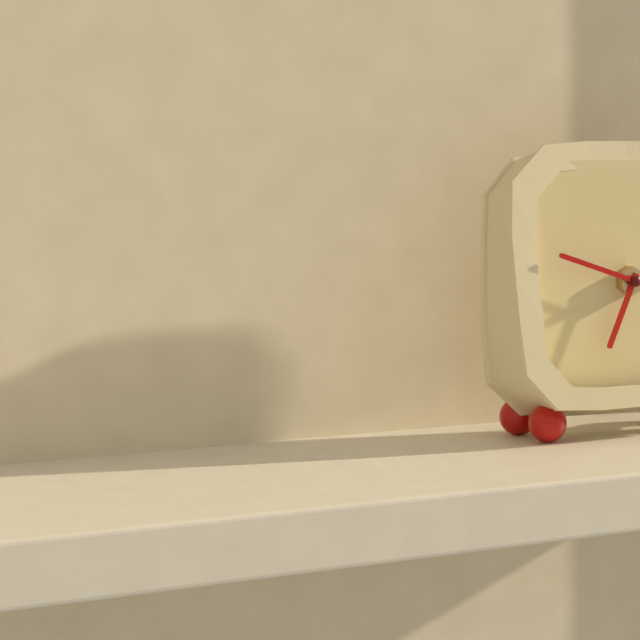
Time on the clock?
6:48
